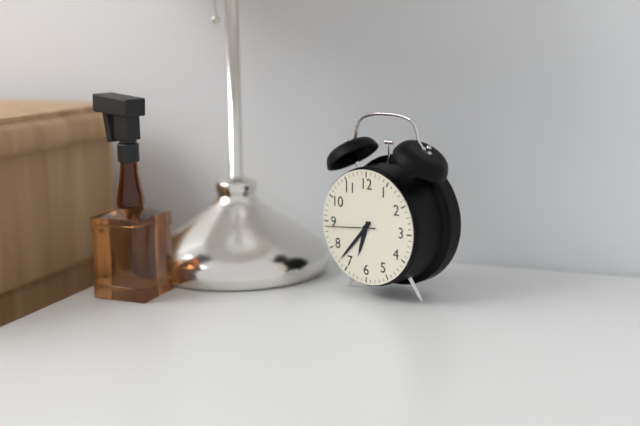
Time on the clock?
6:37
